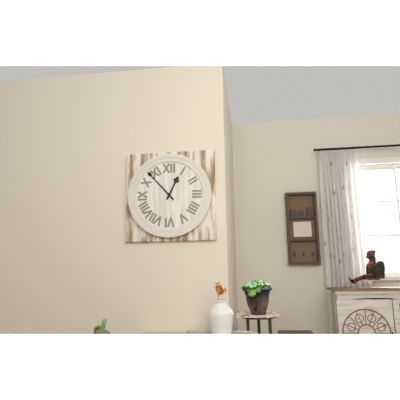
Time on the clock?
12:53
